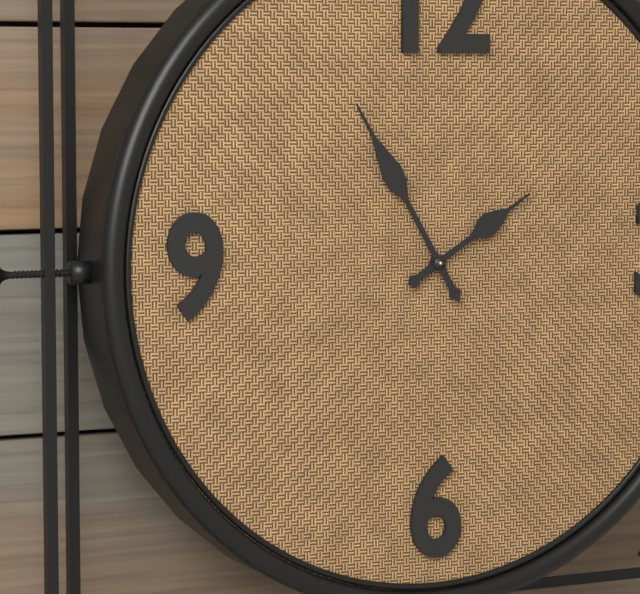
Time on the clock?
1:55
